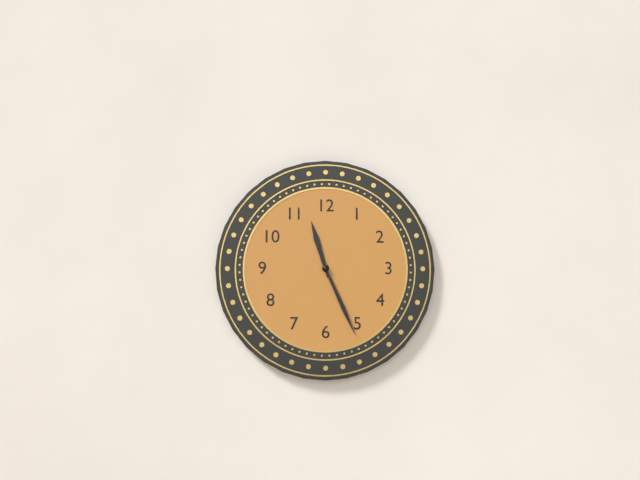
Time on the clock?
11:26
